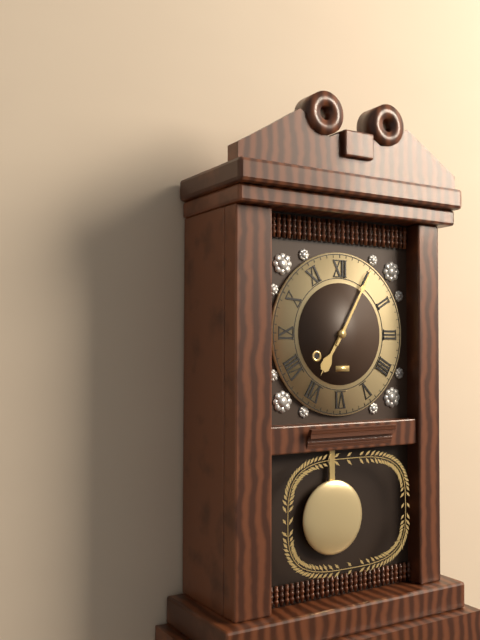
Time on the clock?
7:05
